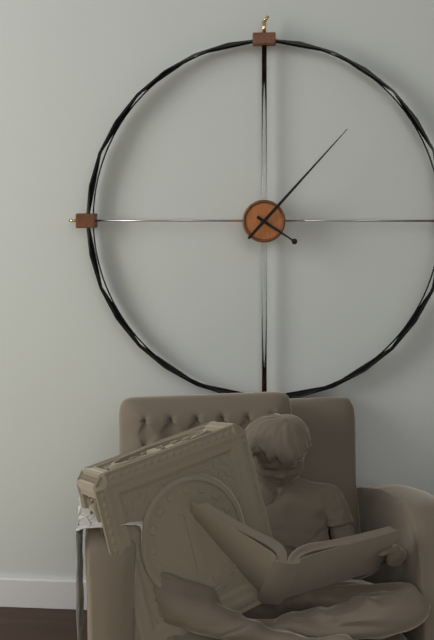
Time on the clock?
4:07
